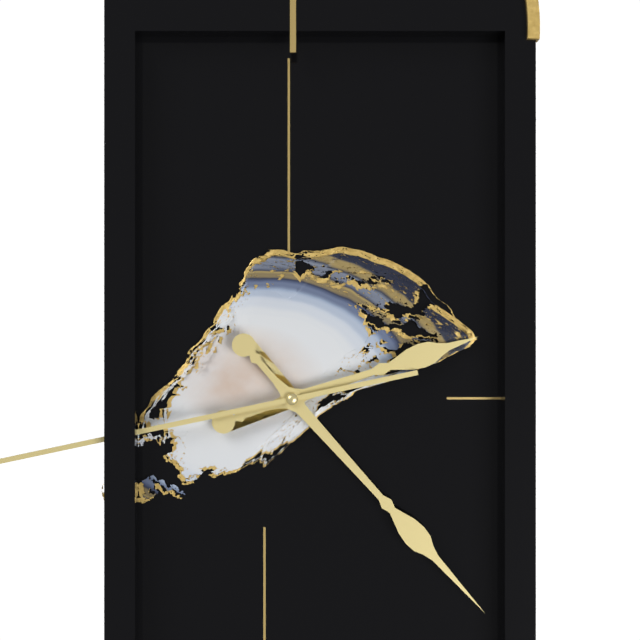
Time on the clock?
2:23
